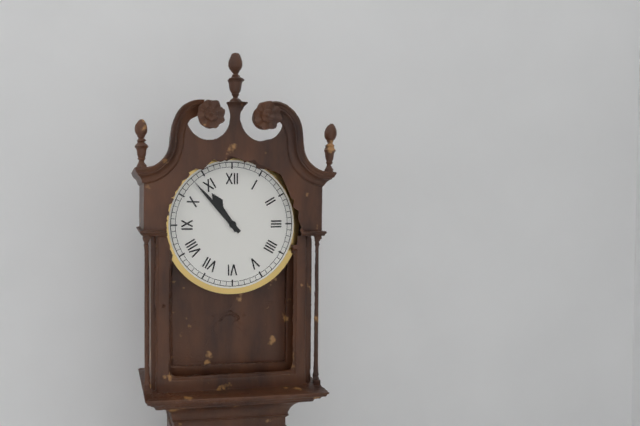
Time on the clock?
10:53
